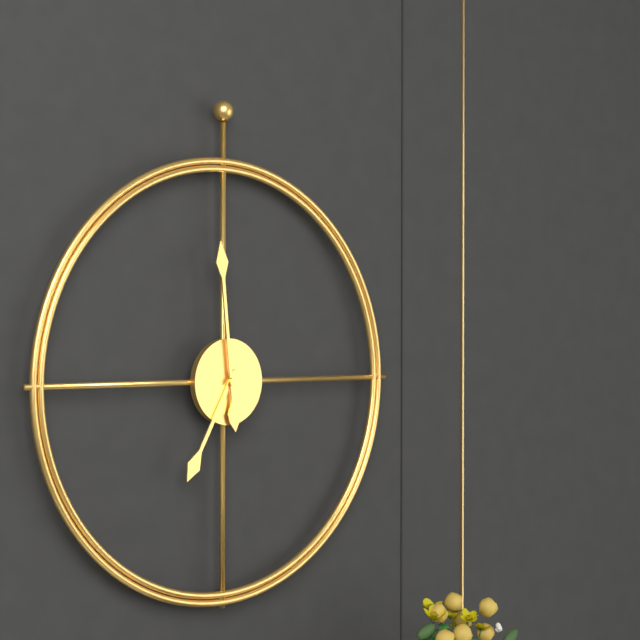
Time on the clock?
6:59
